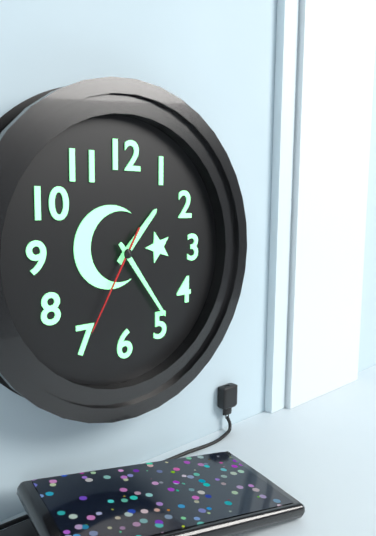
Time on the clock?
1:24:35
